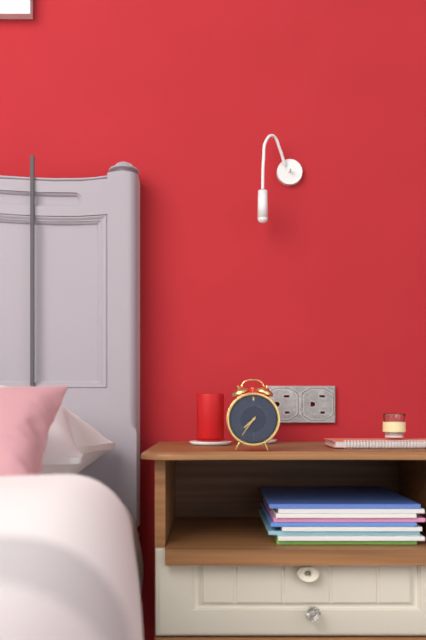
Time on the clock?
7:36
